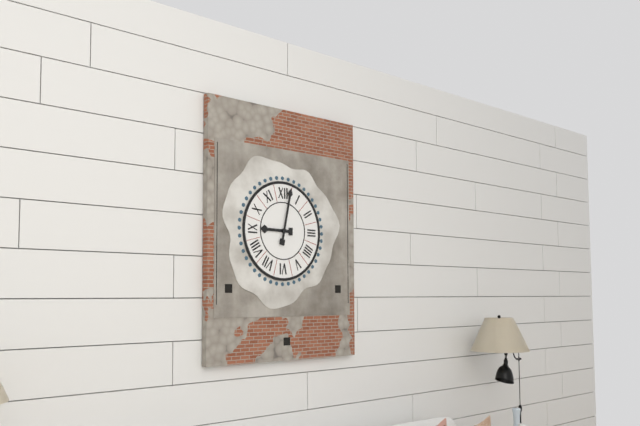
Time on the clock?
9:02
